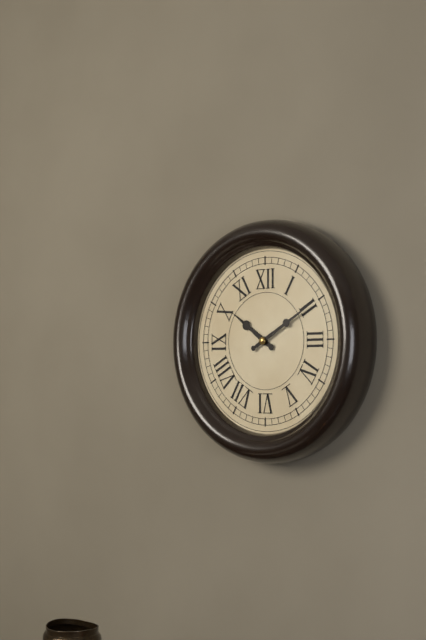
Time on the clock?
10:10
